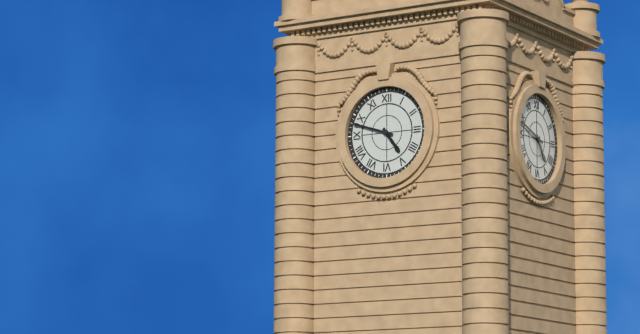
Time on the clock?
4:48
